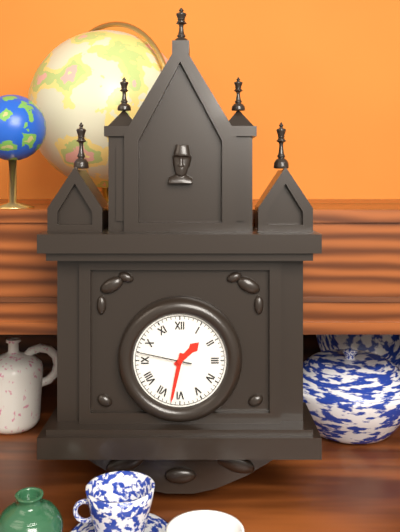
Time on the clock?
1:32:47
